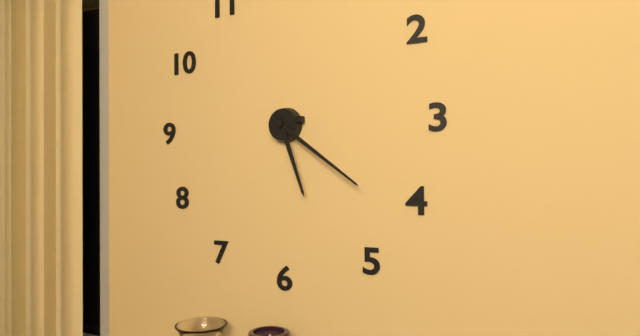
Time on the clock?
5:21
